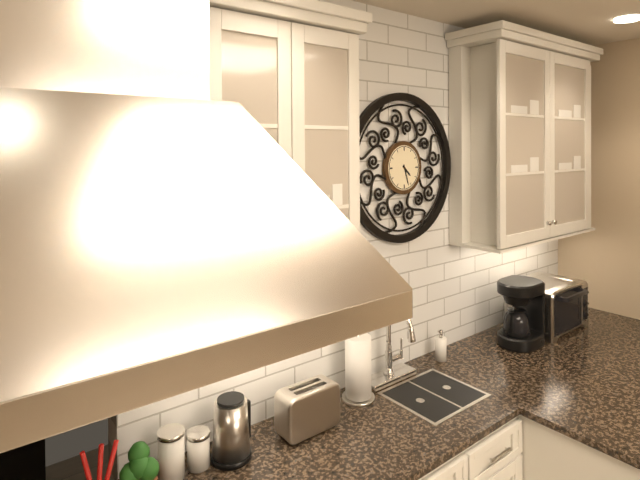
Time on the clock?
4:27
